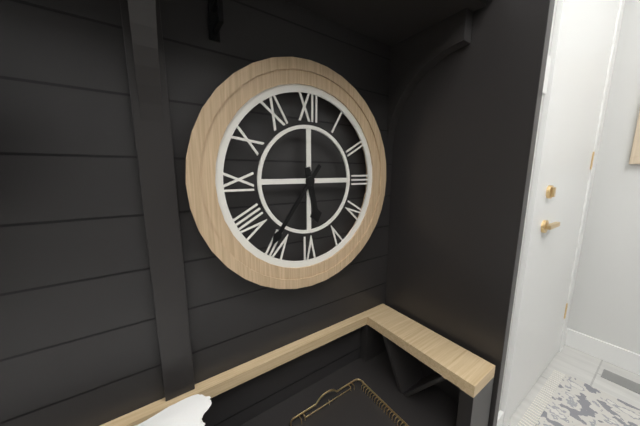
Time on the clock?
5:36
